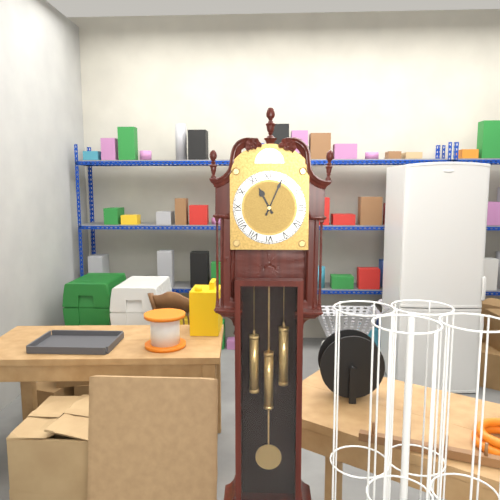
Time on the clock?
11:04
